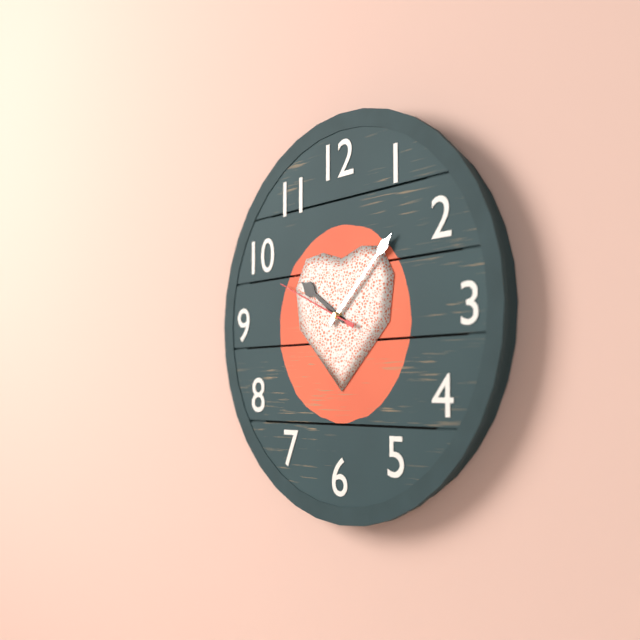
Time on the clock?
10:08:49
